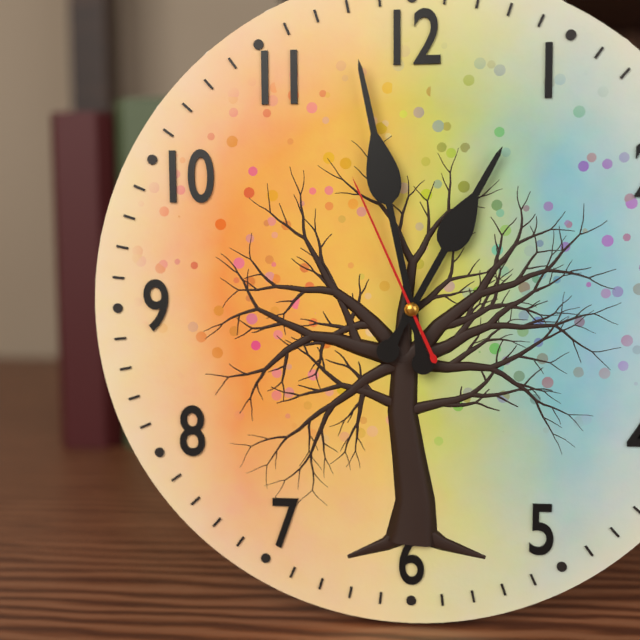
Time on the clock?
12:58:56
